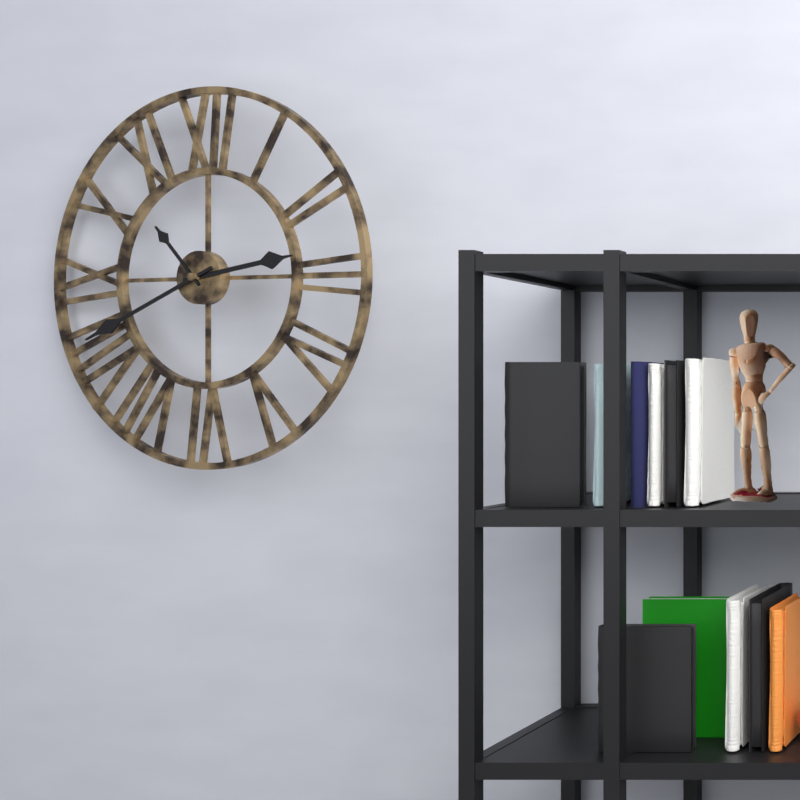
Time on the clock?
2:41:53
